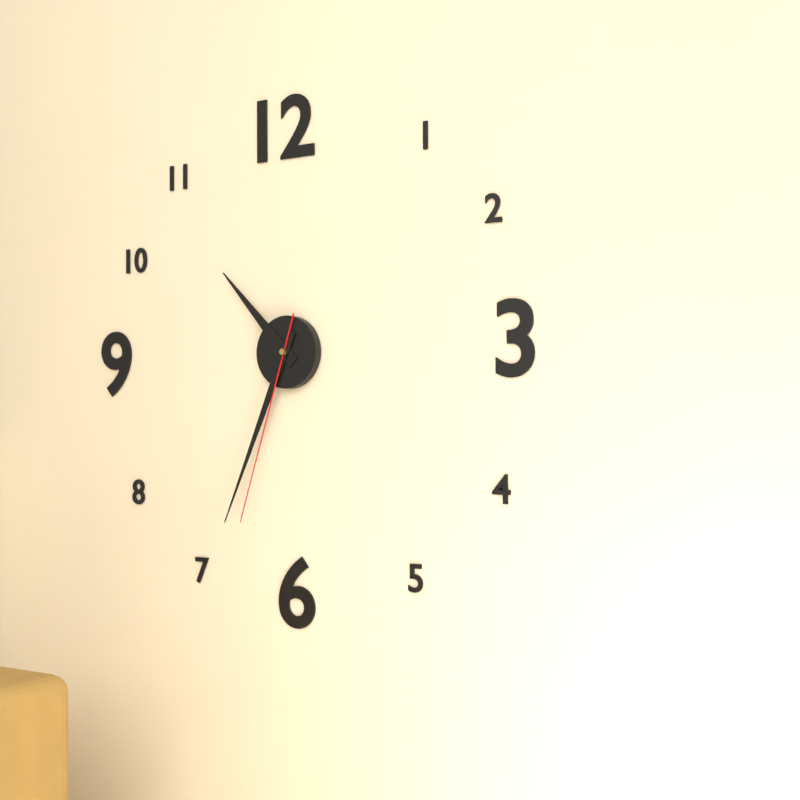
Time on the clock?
10:34:33
